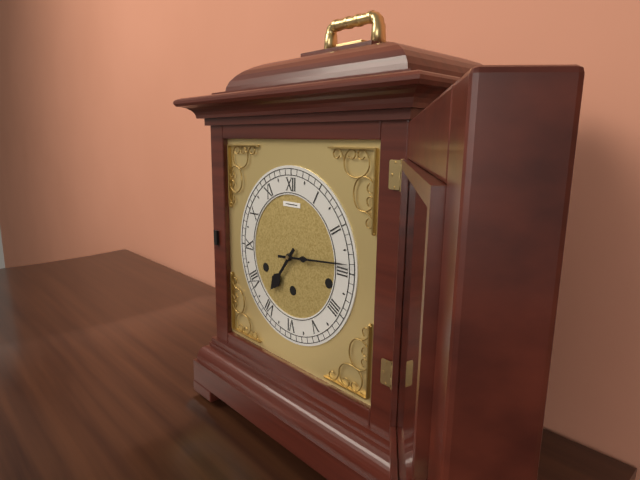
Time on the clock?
7:14
